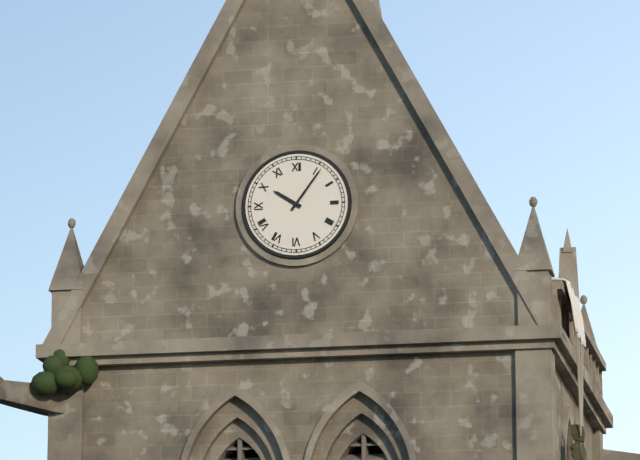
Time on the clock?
10:06
